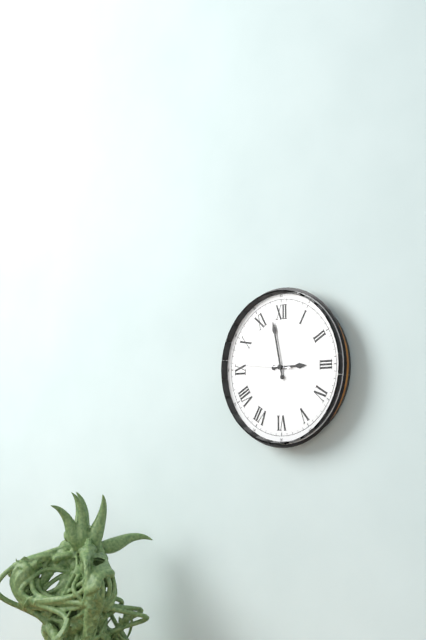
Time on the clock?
2:58:46
